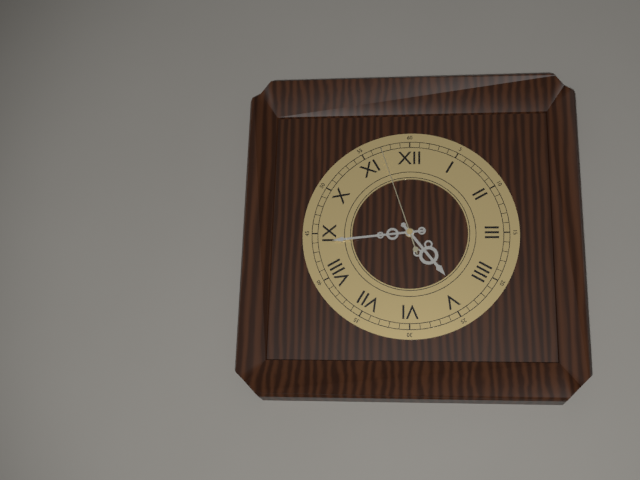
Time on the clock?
4:44:57
